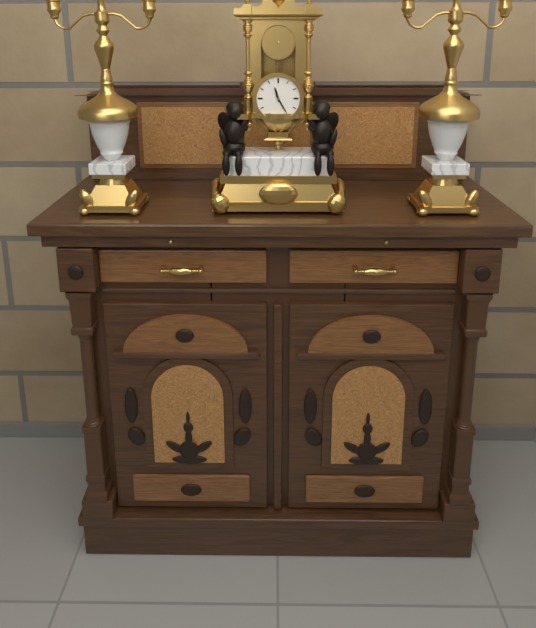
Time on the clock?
11:25
